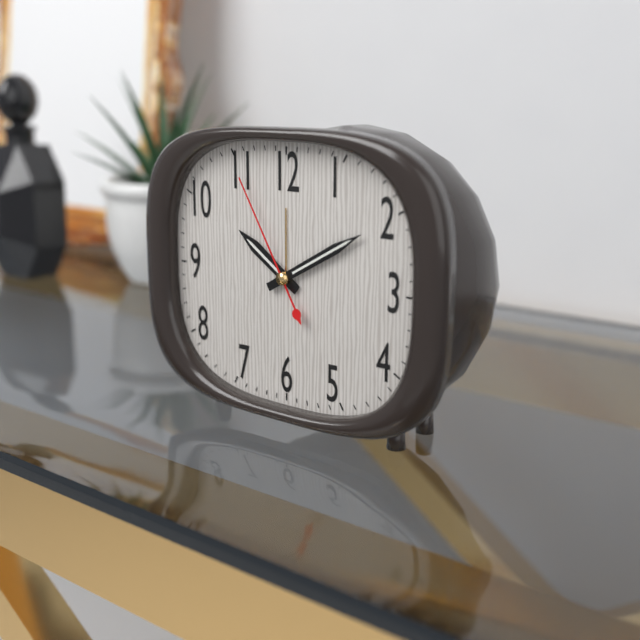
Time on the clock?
10:10:55
